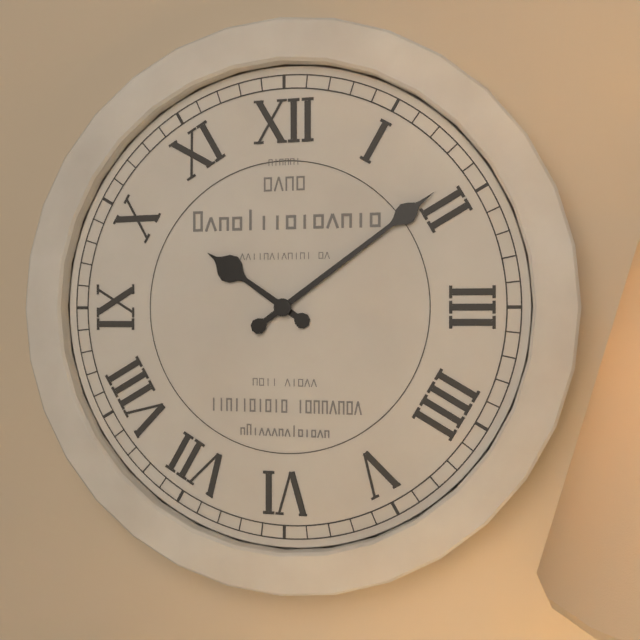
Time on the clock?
10:09
